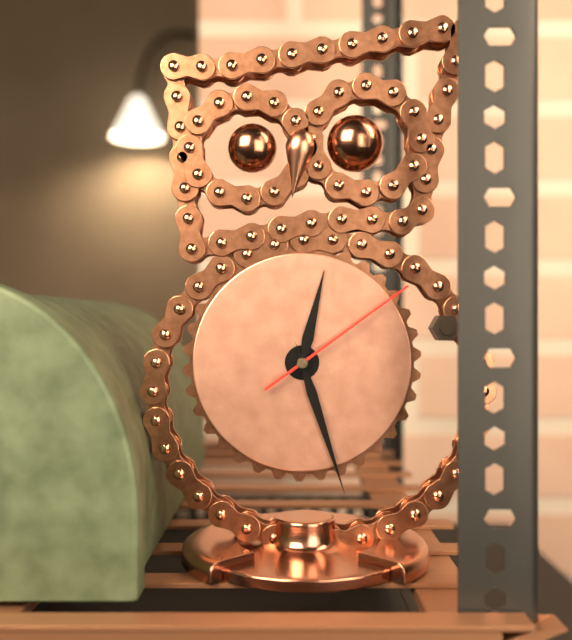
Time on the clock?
12:27:09
